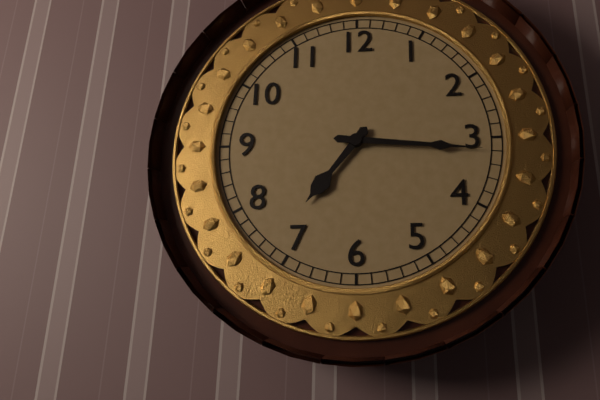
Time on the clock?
7:16
